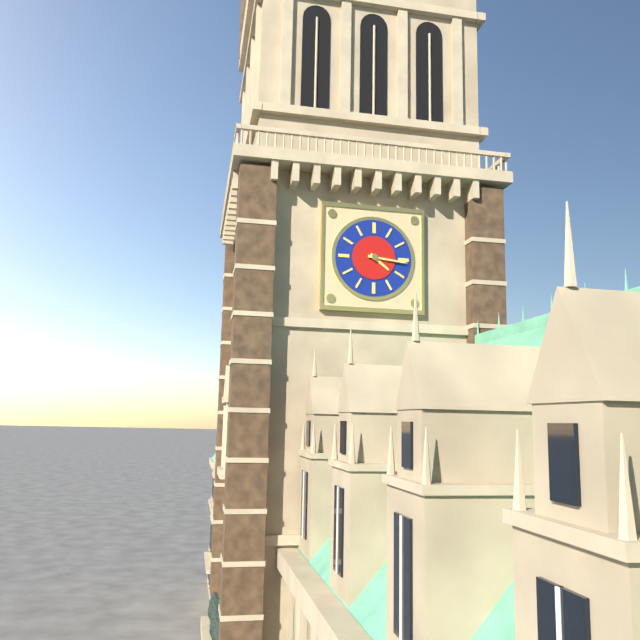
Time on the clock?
4:16
